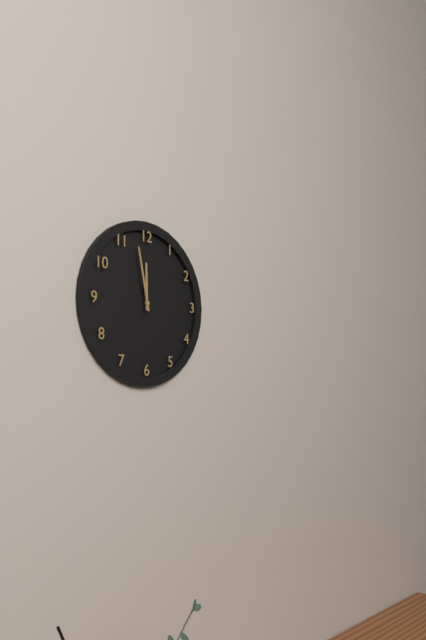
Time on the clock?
11:58
